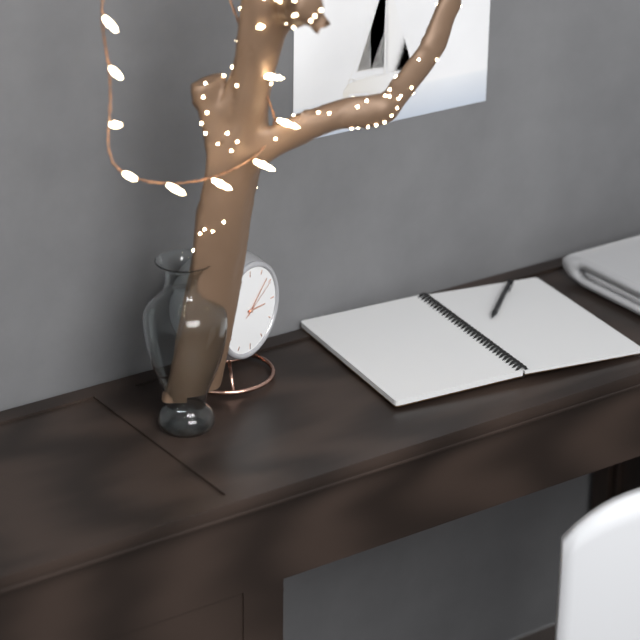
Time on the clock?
3:08
